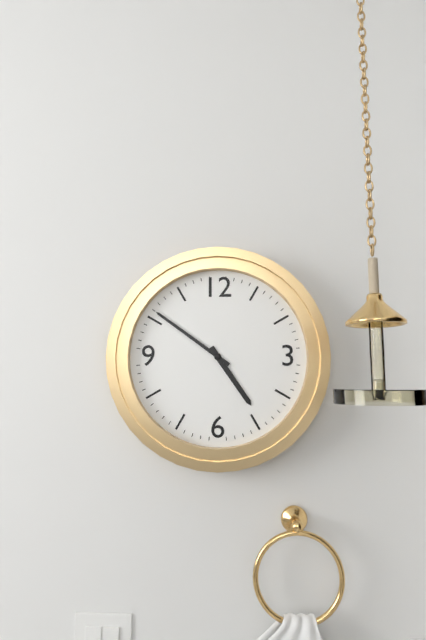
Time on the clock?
4:51
